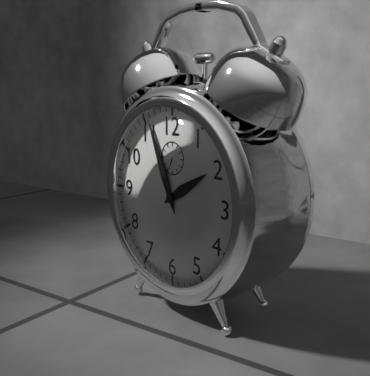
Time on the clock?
1:56
